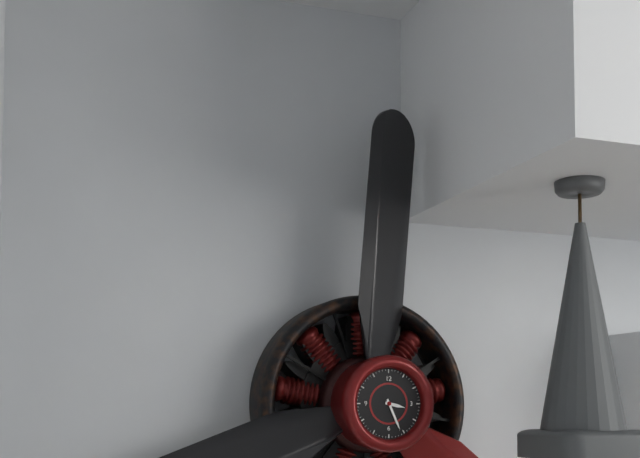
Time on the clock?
3:26
